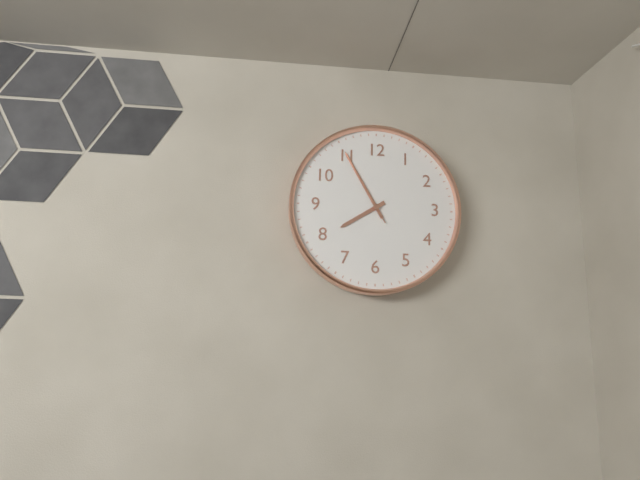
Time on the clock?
7:55:55
